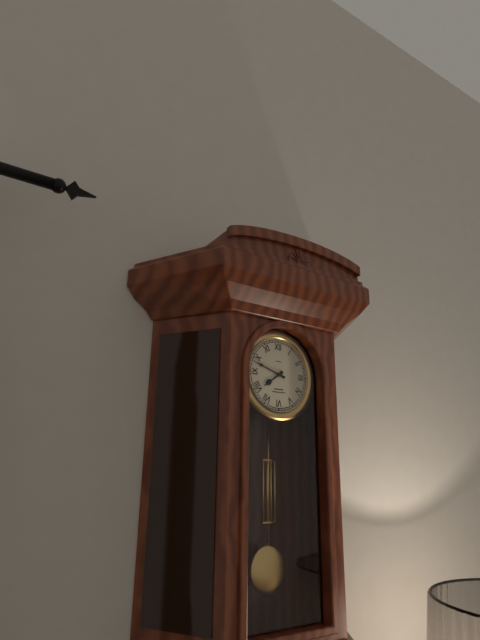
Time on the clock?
7:48
